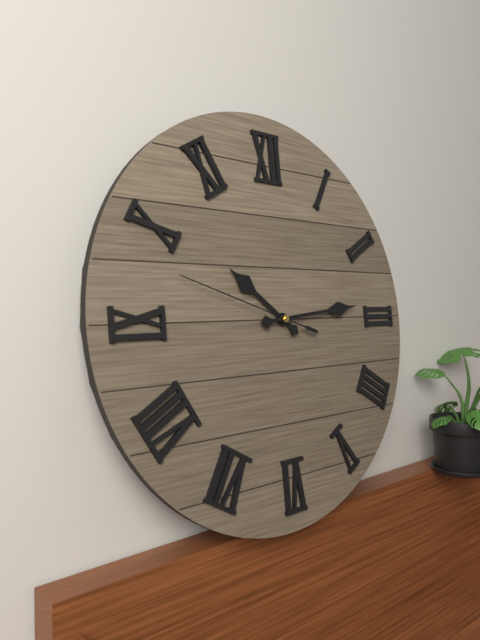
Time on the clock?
10:14:48
